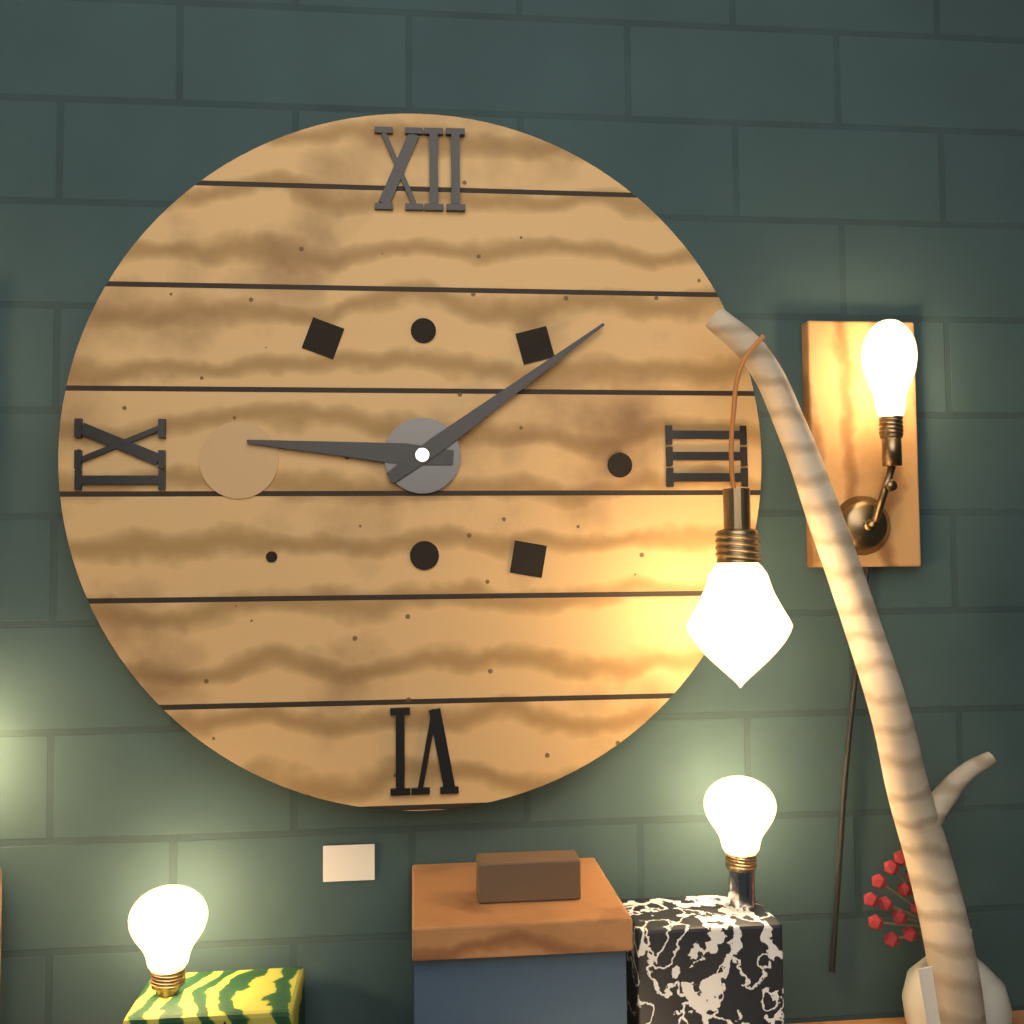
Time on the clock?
9:09
